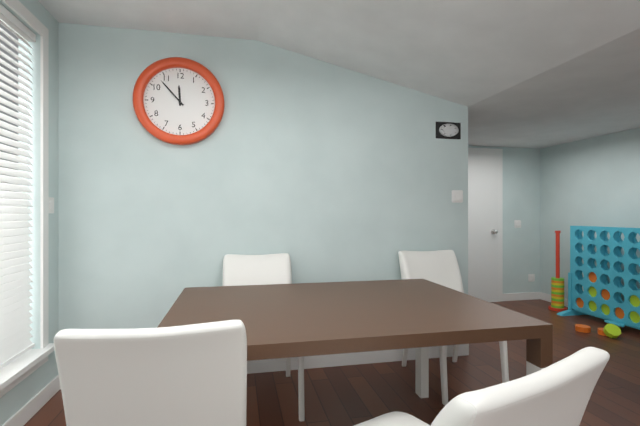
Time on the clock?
11:53
